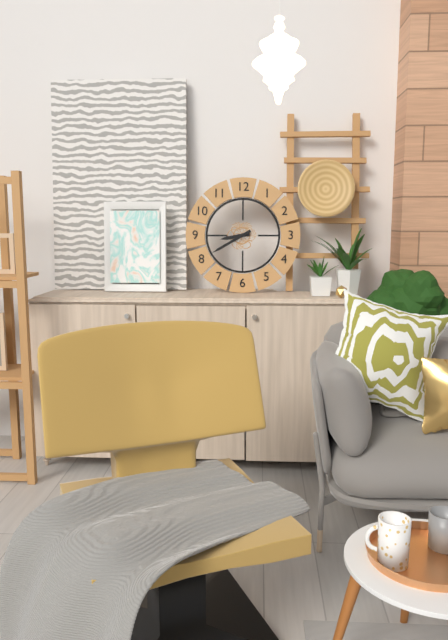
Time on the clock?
8:40
